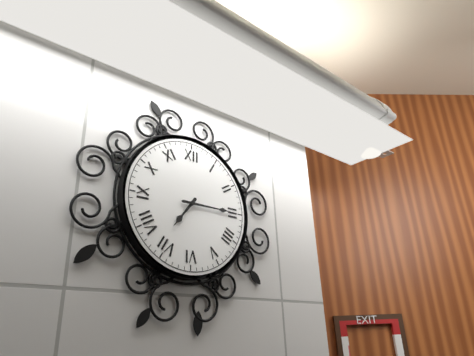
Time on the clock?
7:15
